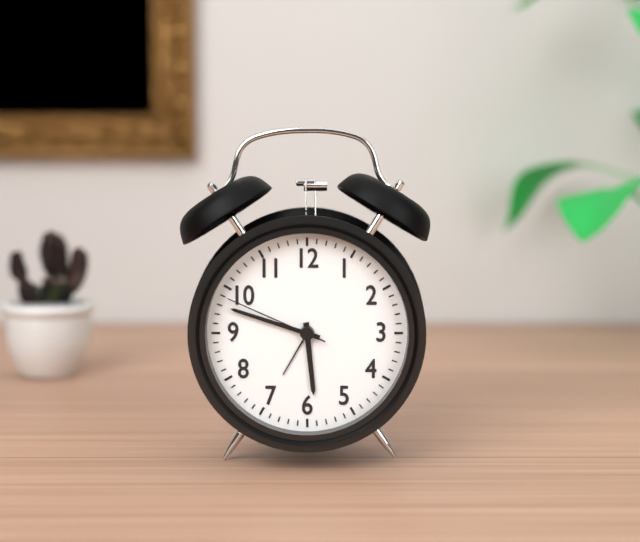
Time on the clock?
5:48:49
